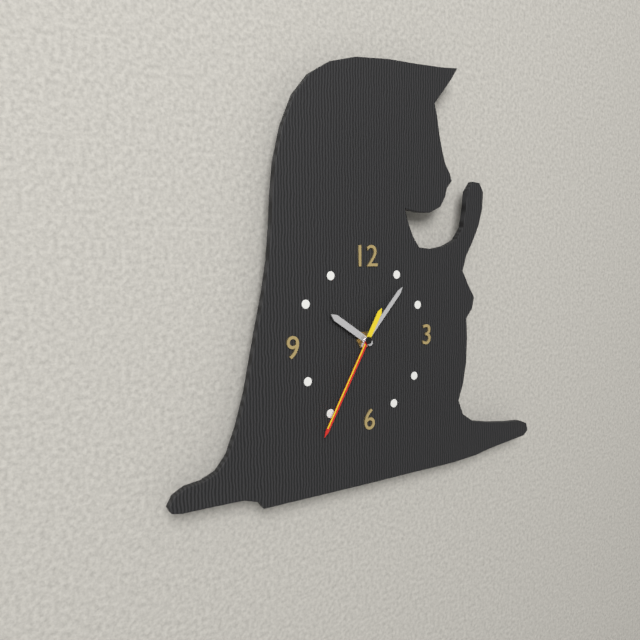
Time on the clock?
10:07:35
